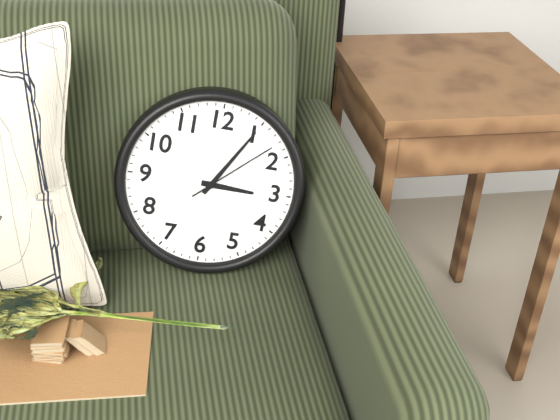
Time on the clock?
3:05:08
